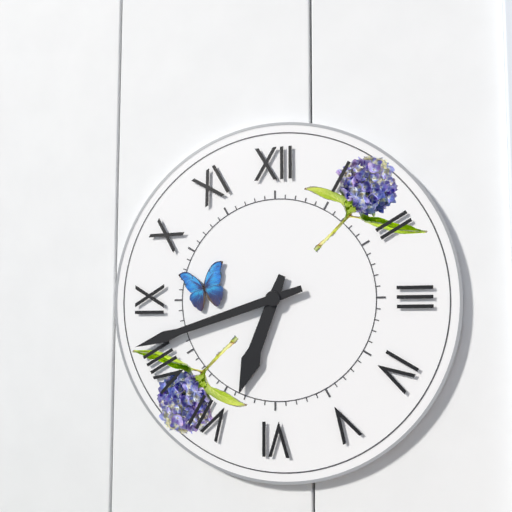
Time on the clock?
6:42
